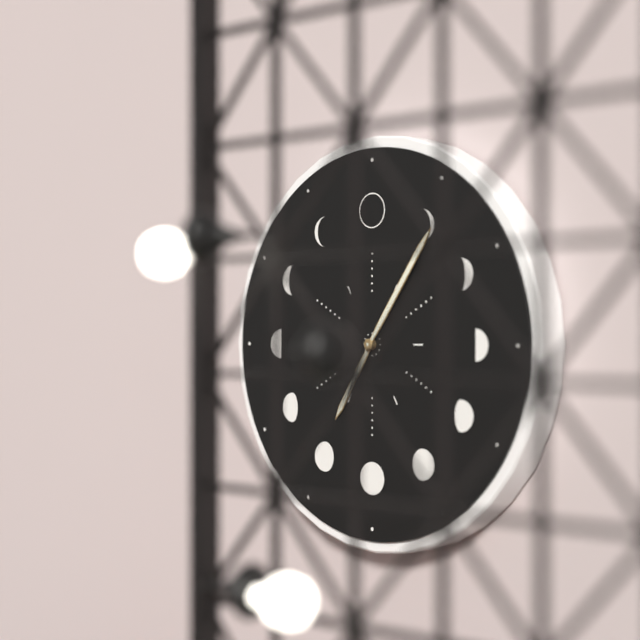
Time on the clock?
7:06
